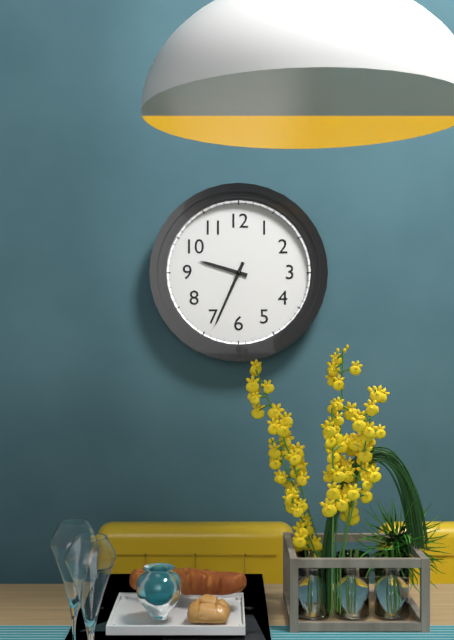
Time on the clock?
9:34
